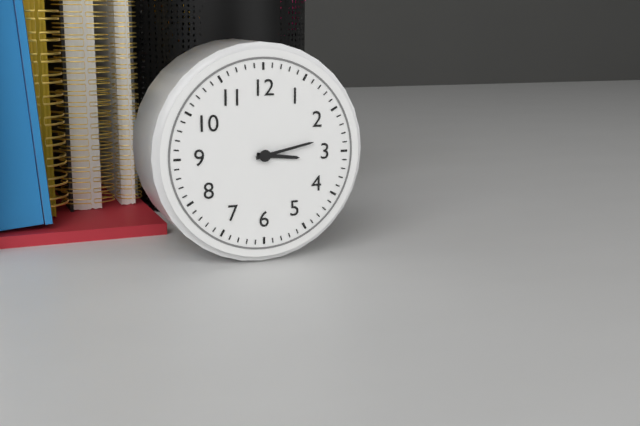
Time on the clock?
3:13
